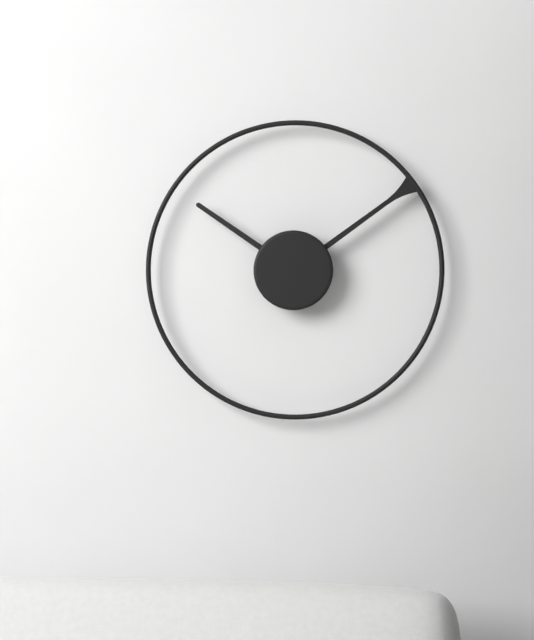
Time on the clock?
10:09
